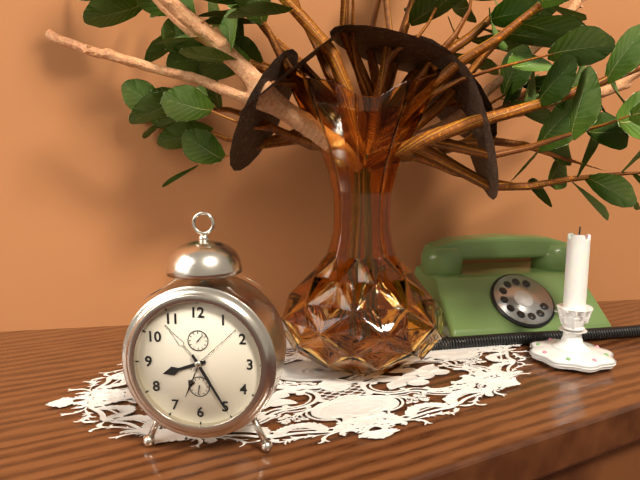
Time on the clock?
8:25
